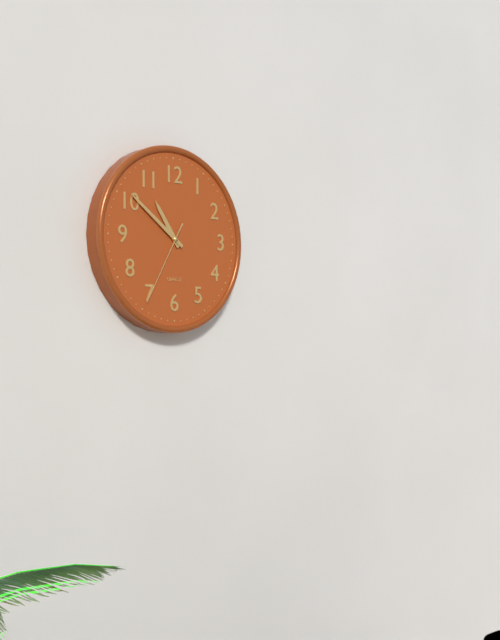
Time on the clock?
10:51:35
